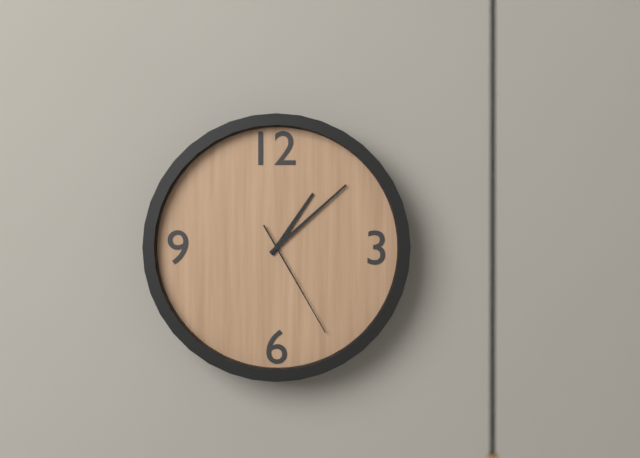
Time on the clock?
1:08:25
